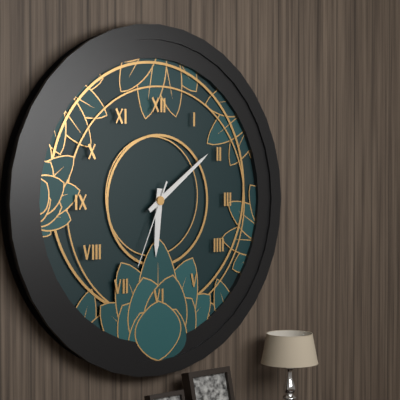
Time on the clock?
6:09:34
